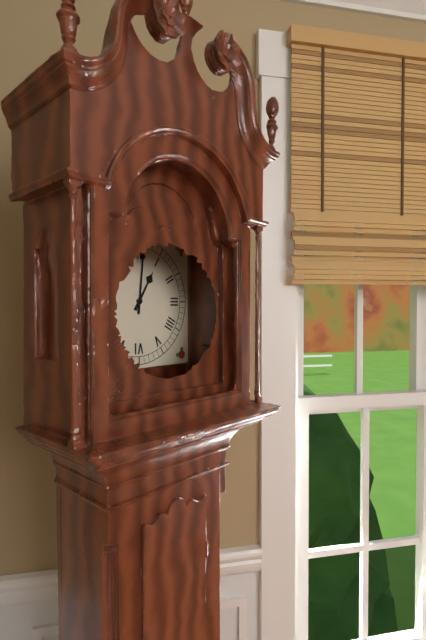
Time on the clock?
1:01
